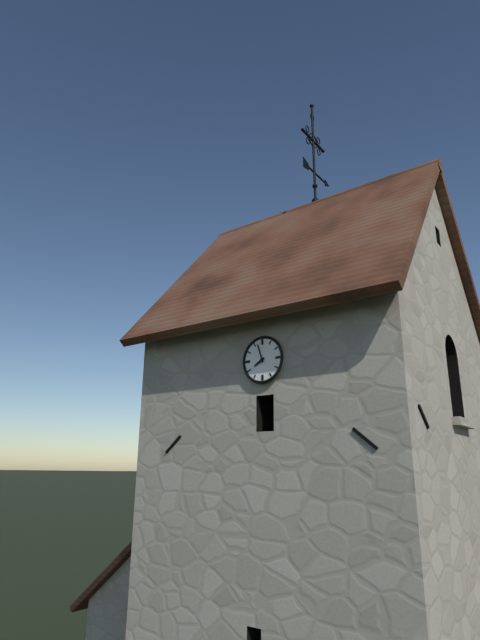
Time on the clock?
7:57
